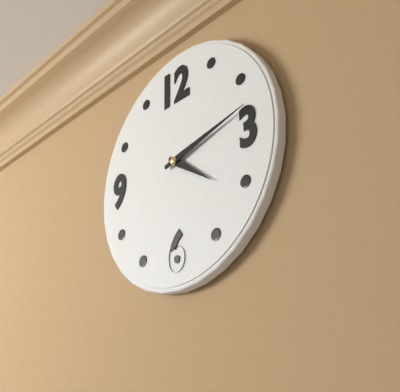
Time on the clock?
4:13
